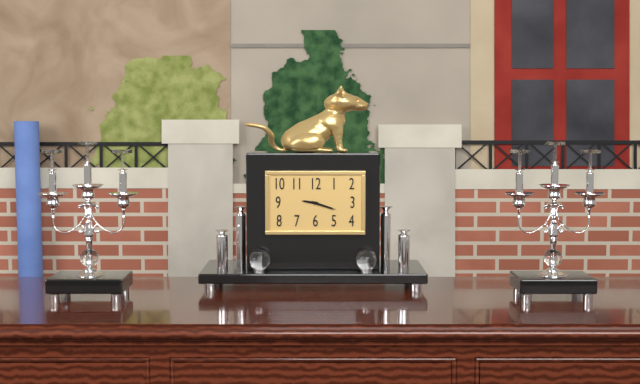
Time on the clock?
9:18
